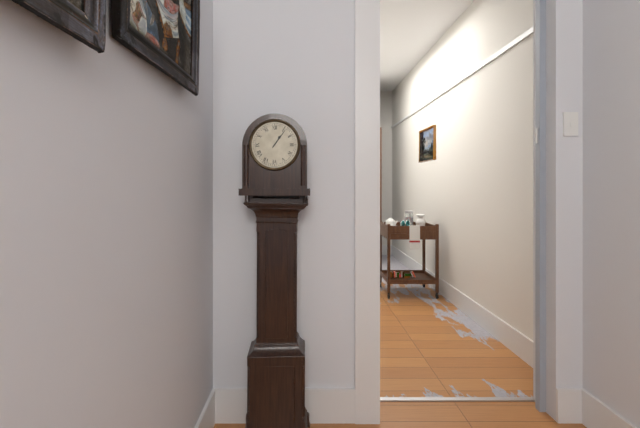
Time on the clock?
1:06
